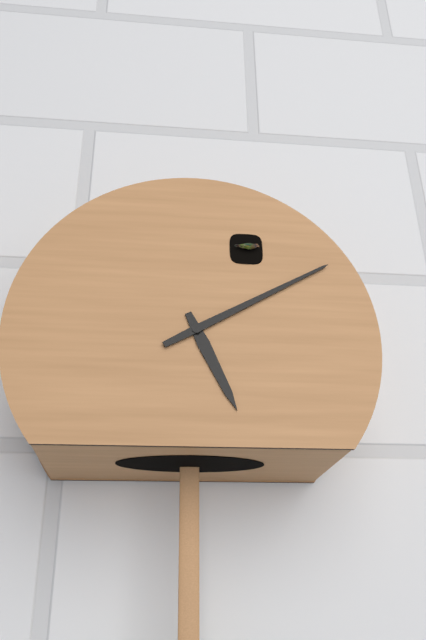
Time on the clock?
5:10
